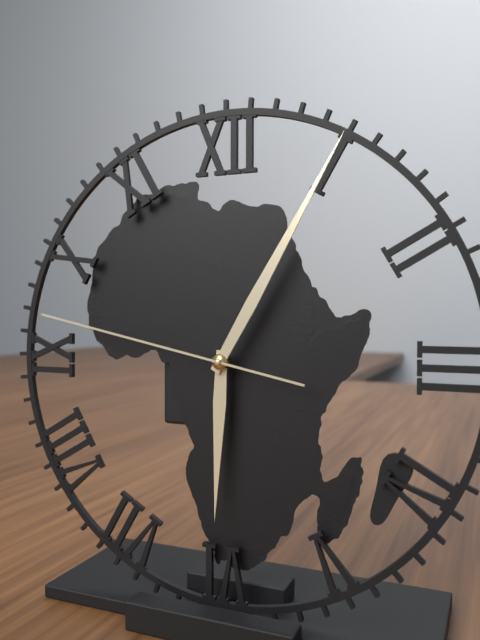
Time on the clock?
6:05:47
